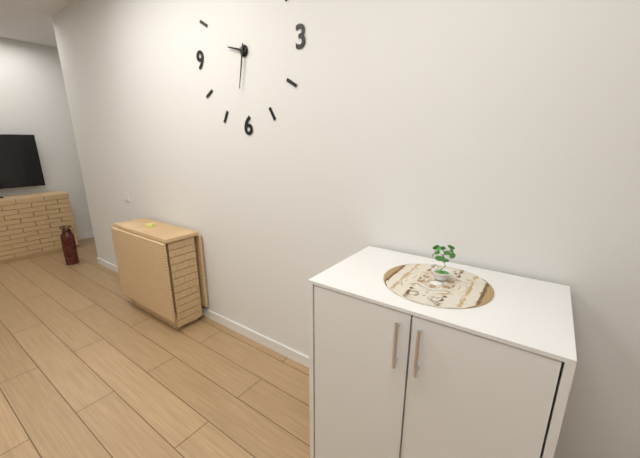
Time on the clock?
9:32
